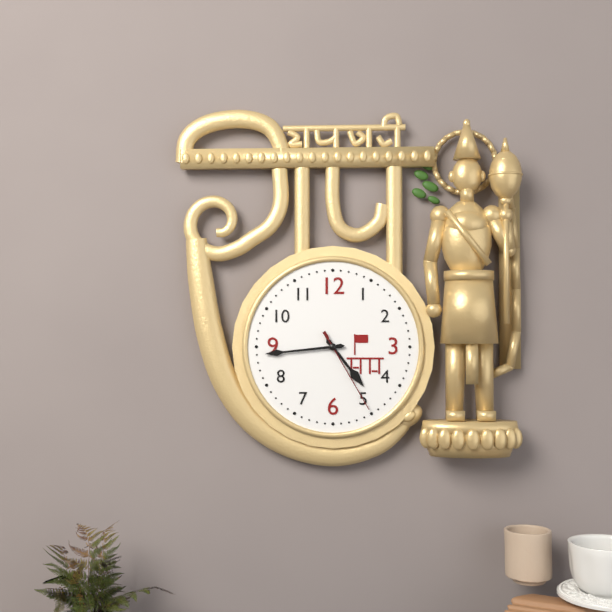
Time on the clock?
4:44:25
